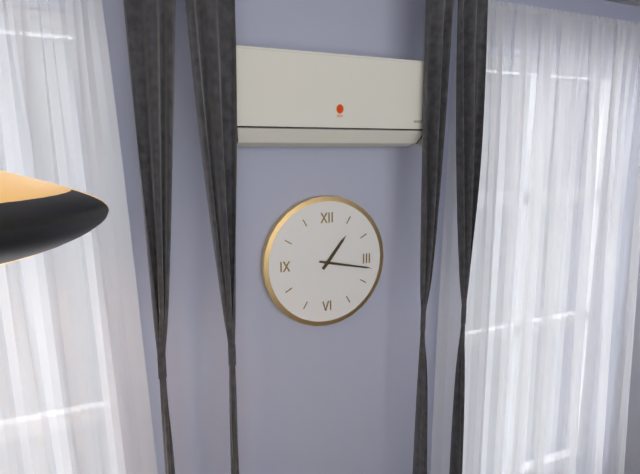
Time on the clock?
1:17
